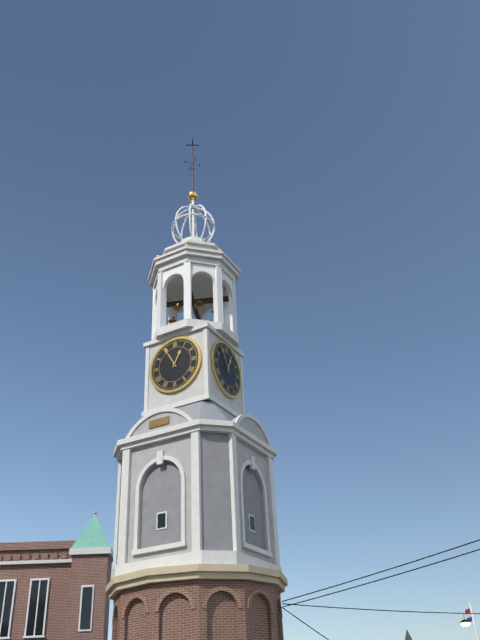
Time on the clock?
12:55
